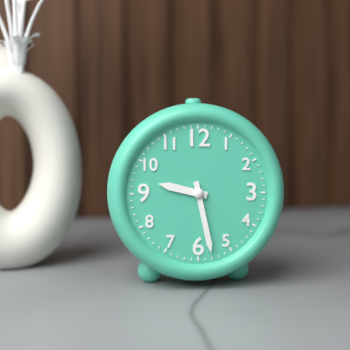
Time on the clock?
9:28
